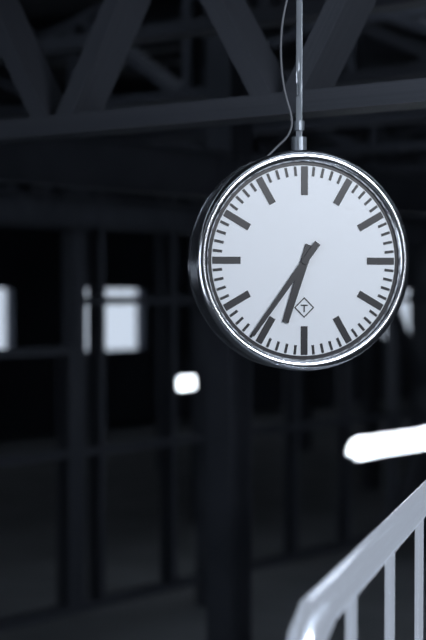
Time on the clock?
6:36
